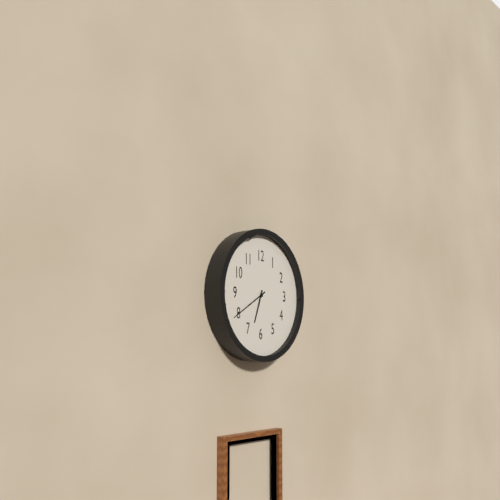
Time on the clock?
6:40
